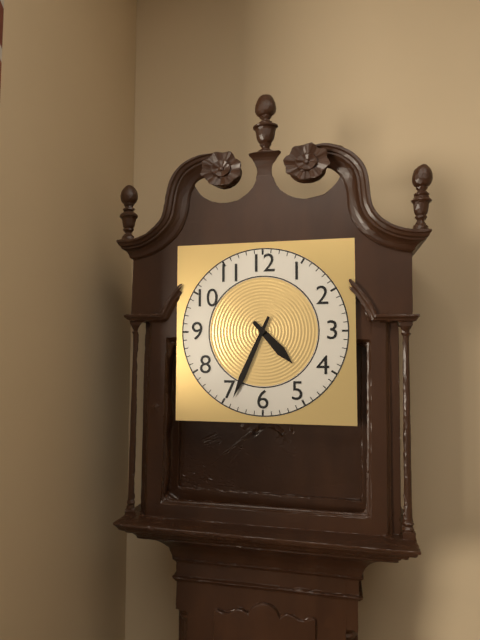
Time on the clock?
4:34
